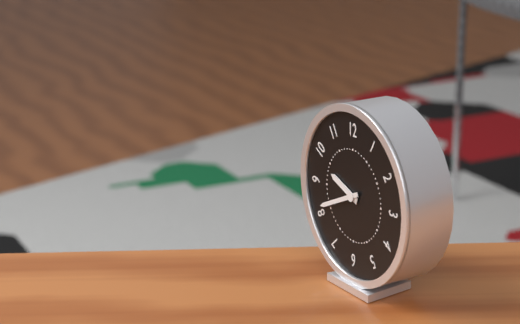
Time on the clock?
9:41
